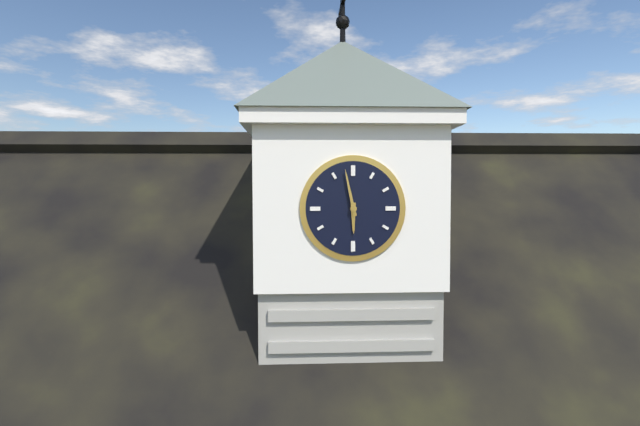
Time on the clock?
5:58
